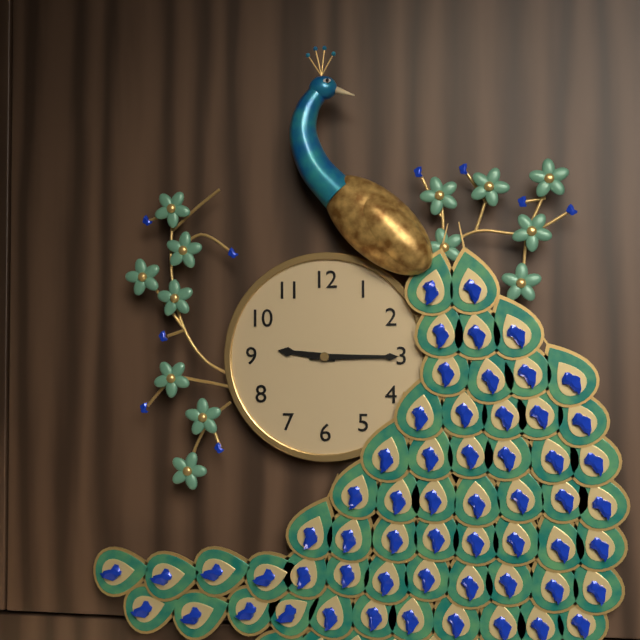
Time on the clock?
9:15
